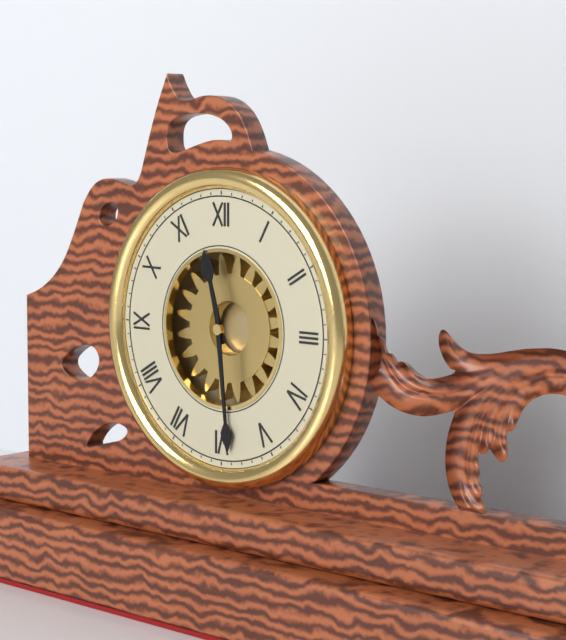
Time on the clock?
11:29
